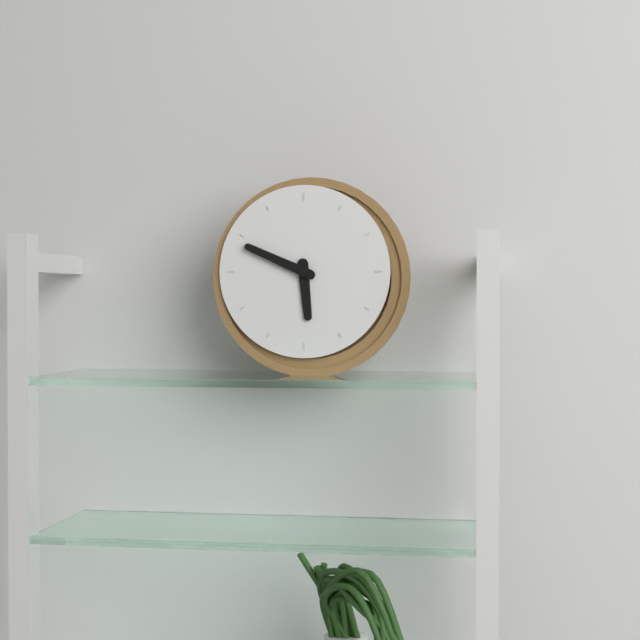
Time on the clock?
5:49
